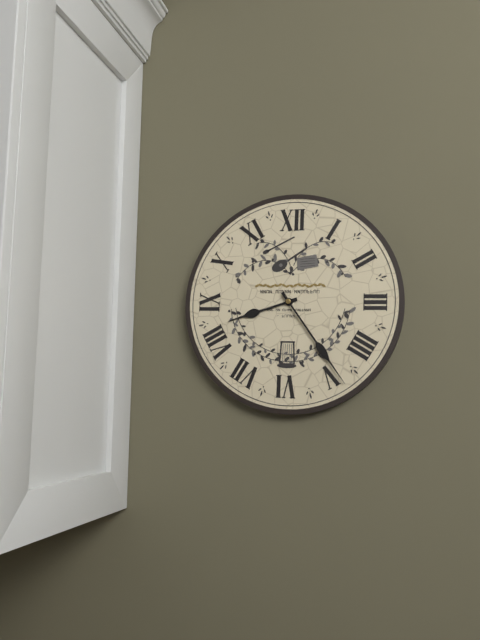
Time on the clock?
8:24
